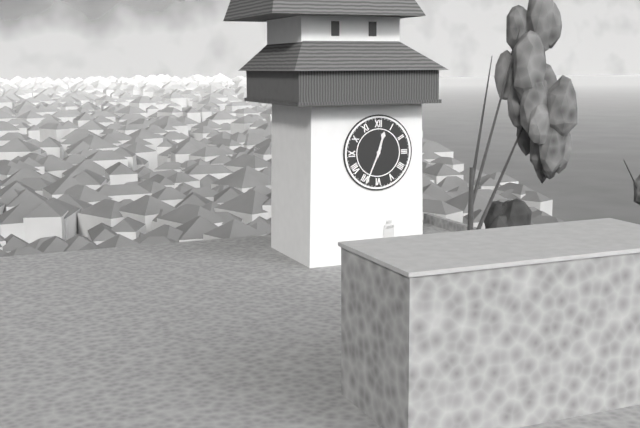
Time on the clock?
12:34
